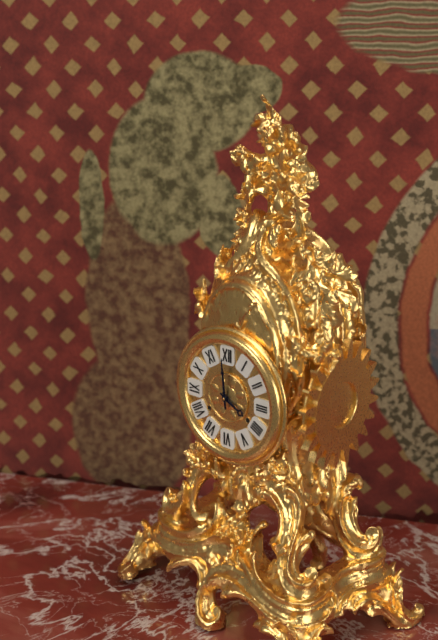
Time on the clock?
3:59
